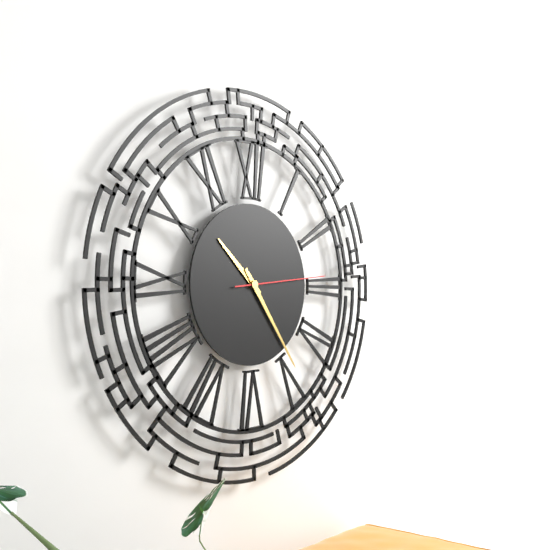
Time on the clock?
10:24:14
